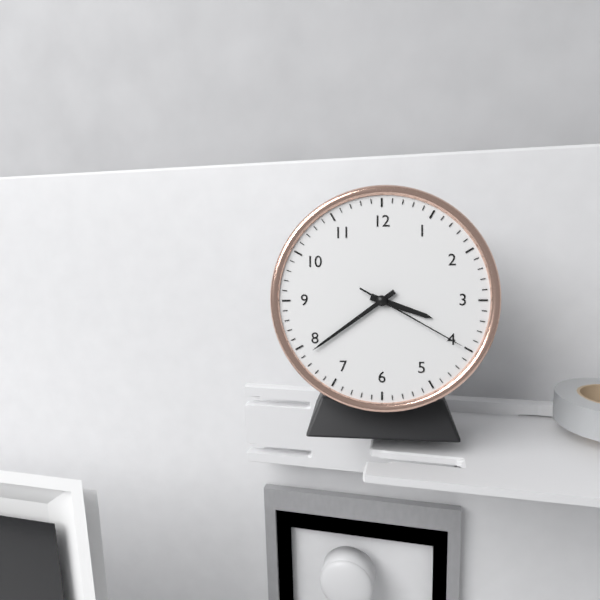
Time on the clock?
3:39:20
